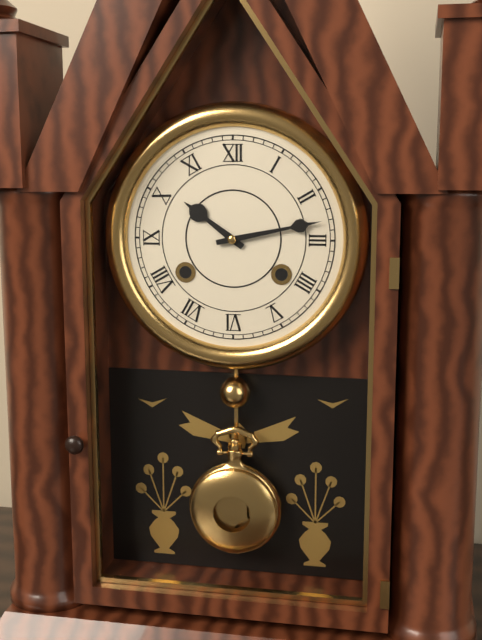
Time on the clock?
10:13
